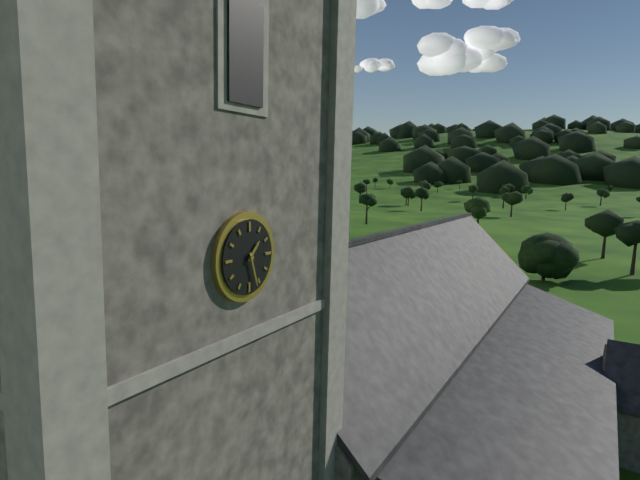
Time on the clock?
1:27
